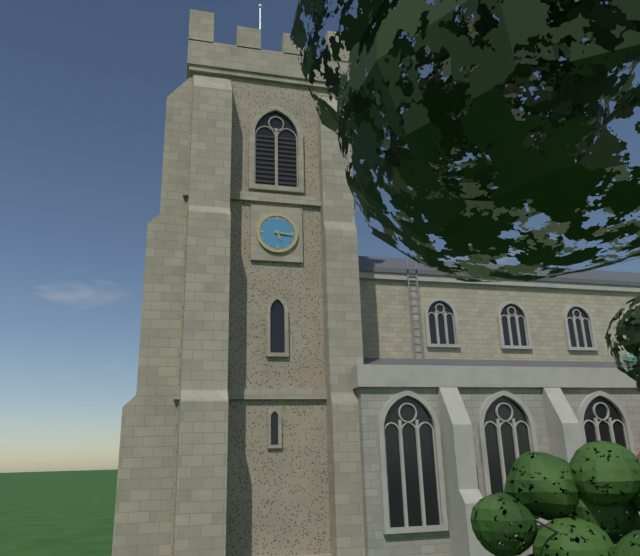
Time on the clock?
5:16
